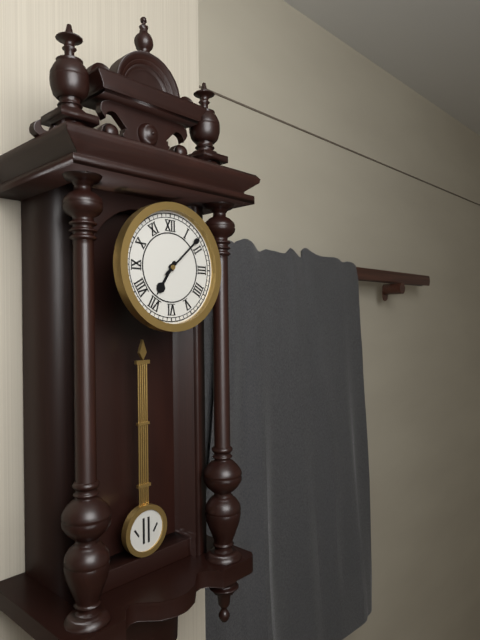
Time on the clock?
7:08
